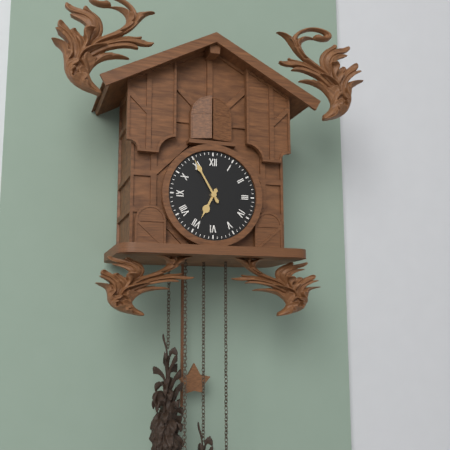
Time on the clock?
6:55
